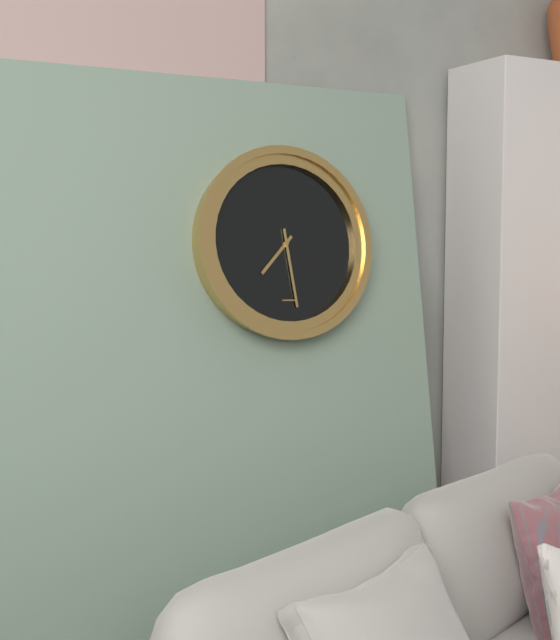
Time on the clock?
7:29
